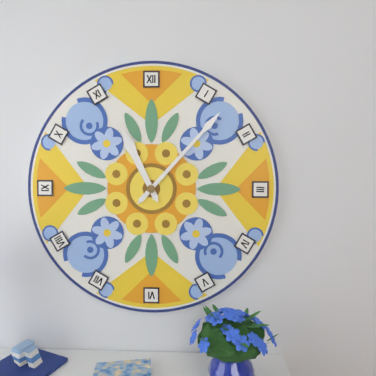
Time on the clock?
11:07
